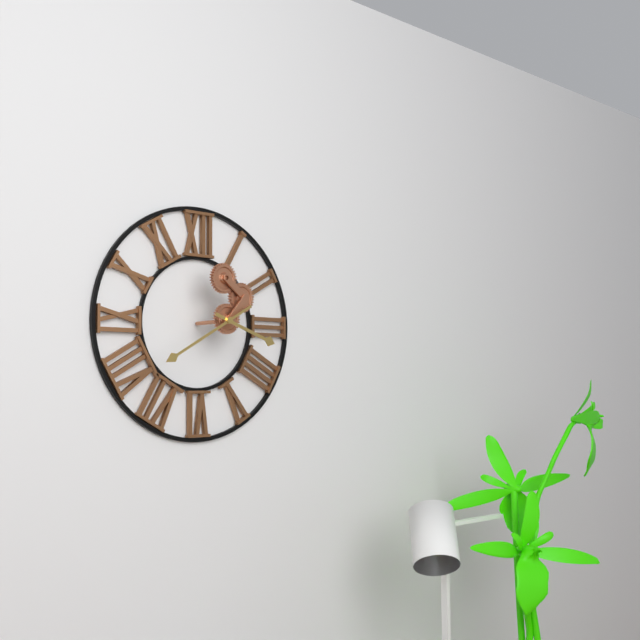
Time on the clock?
3:40
